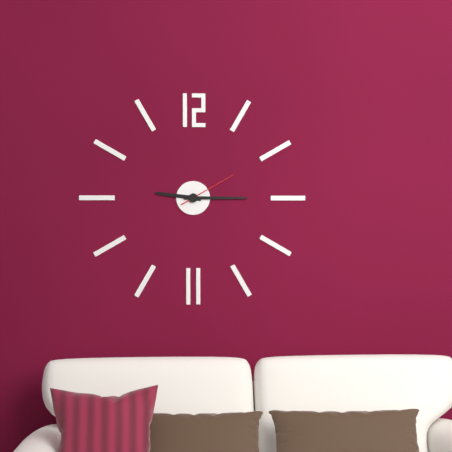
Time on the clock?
9:15:10
